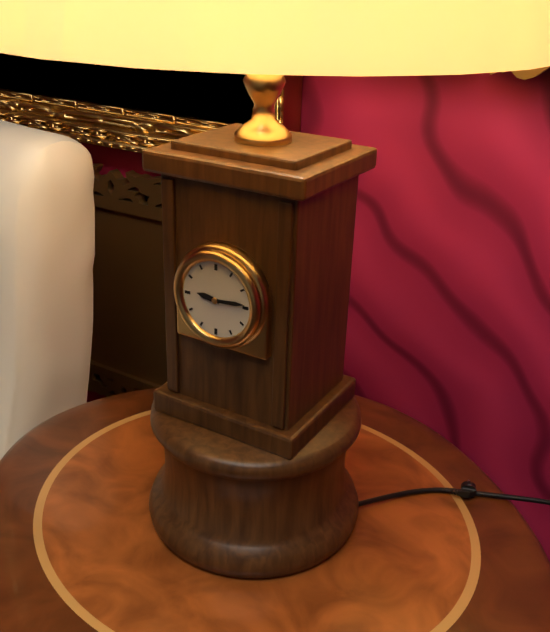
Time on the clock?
9:14
